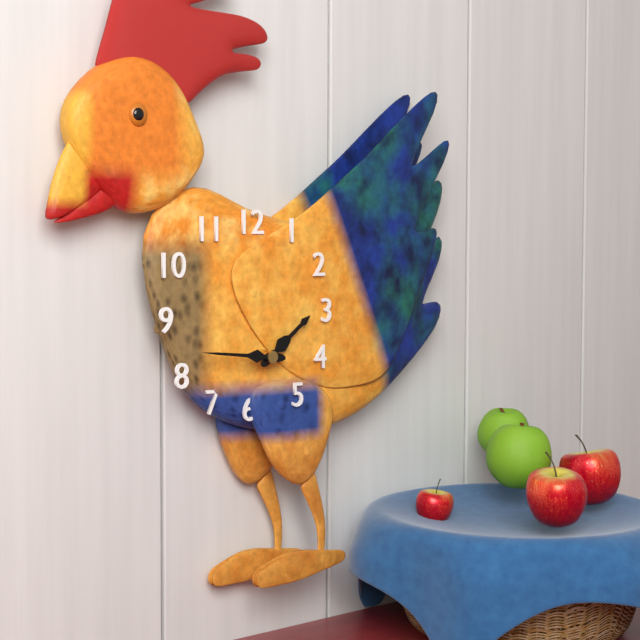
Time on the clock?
1:46
